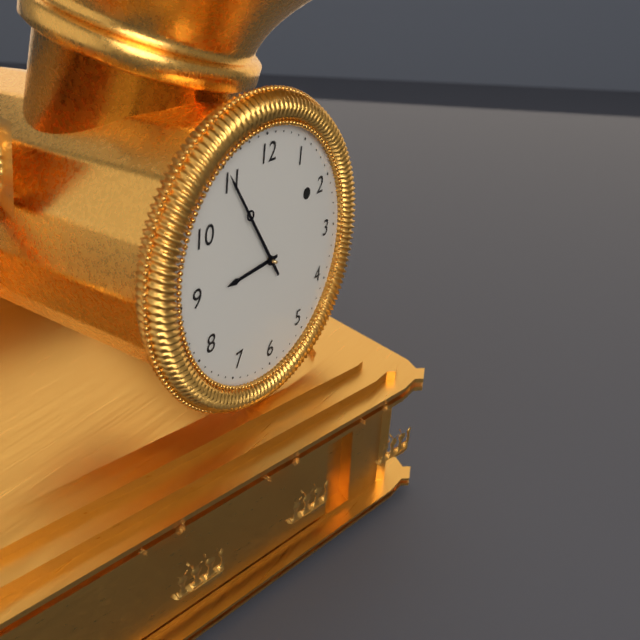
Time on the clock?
8:55
